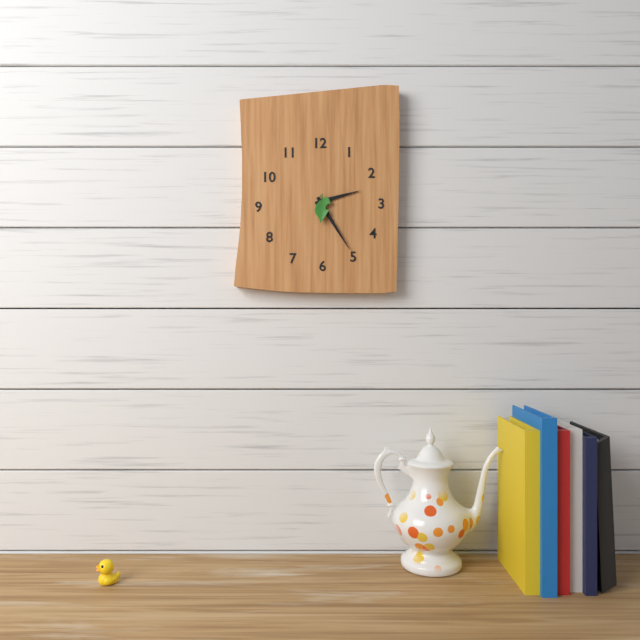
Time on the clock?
2:25
